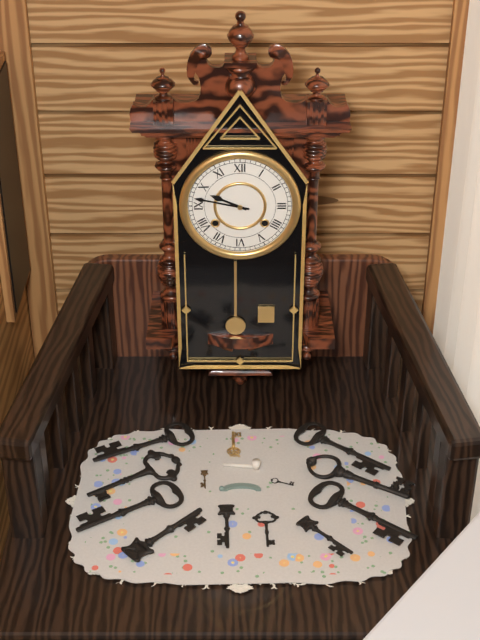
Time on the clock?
9:47
